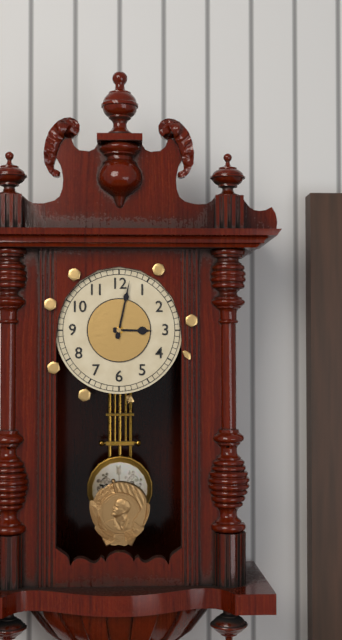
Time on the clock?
3:02
